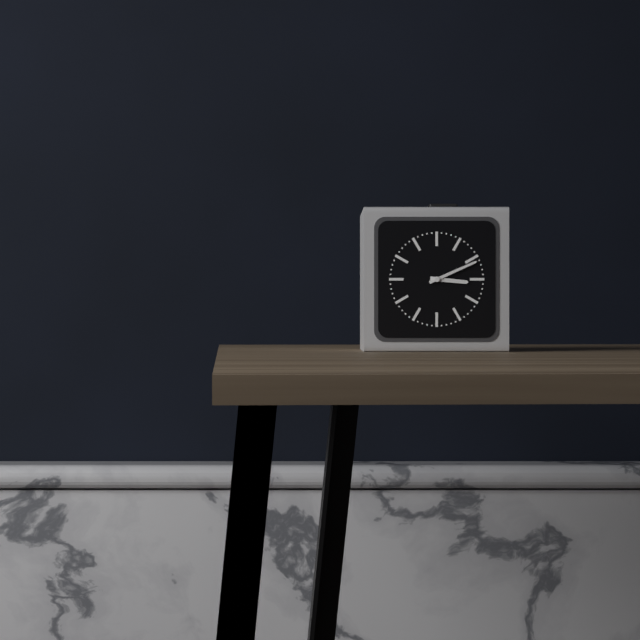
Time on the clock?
3:11
